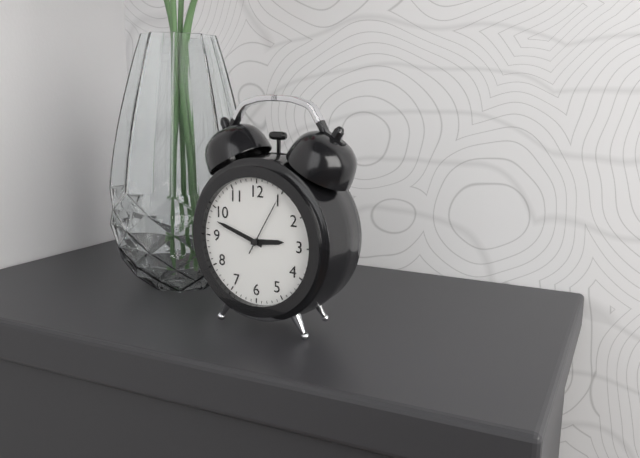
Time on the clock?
2:48:05
